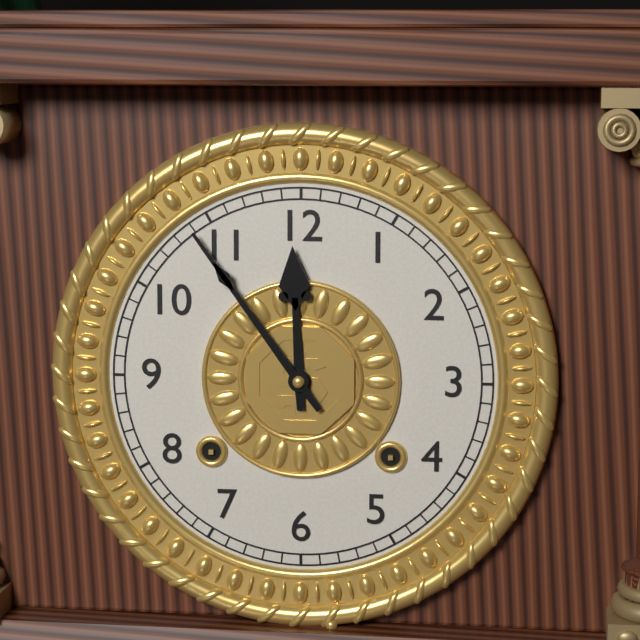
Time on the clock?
11:54
